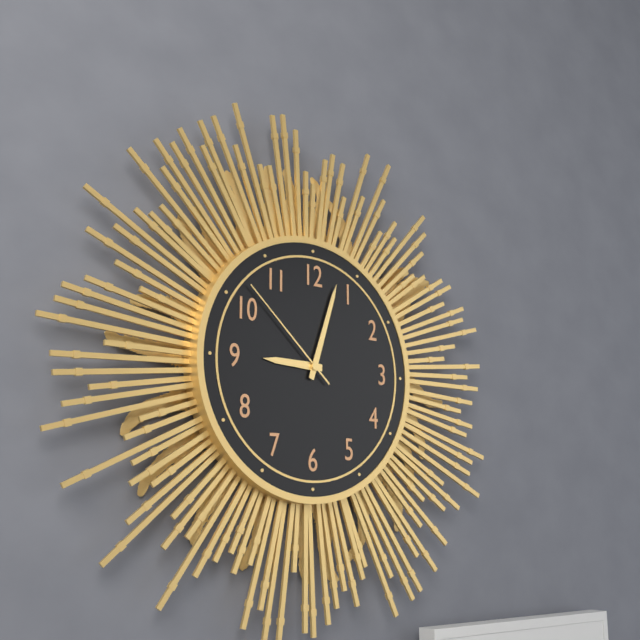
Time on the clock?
9:03:52
